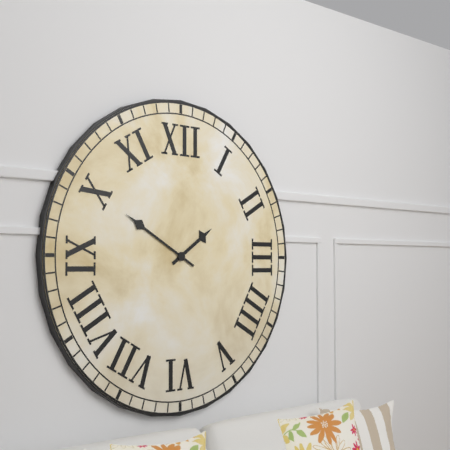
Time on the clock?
1:50
